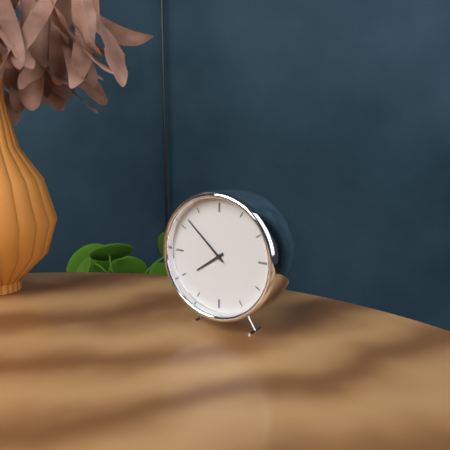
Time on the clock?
7:52
